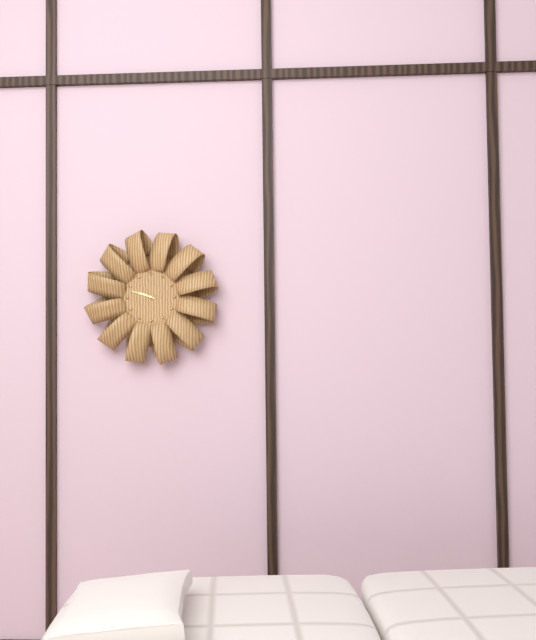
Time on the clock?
9:48
